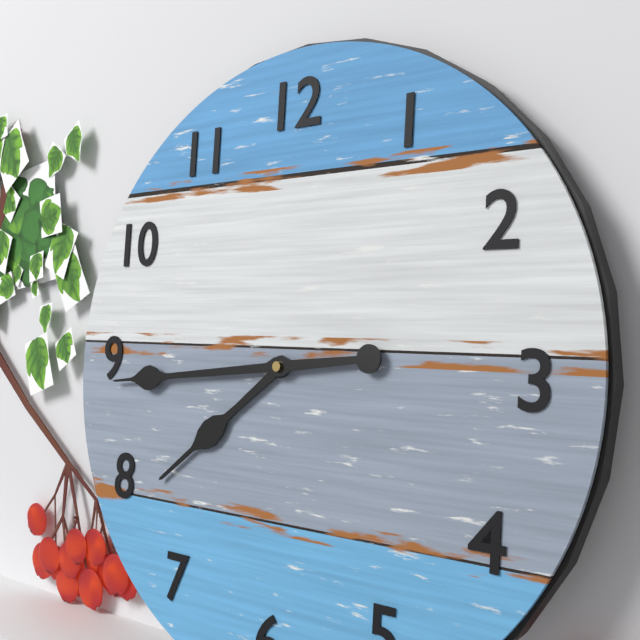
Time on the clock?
7:44
